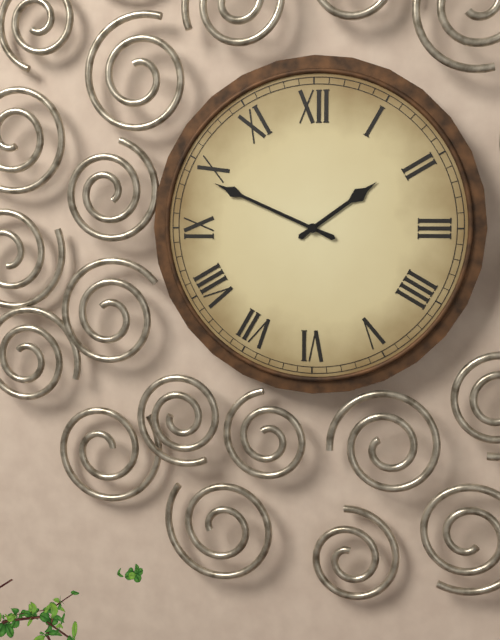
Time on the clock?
1:49
